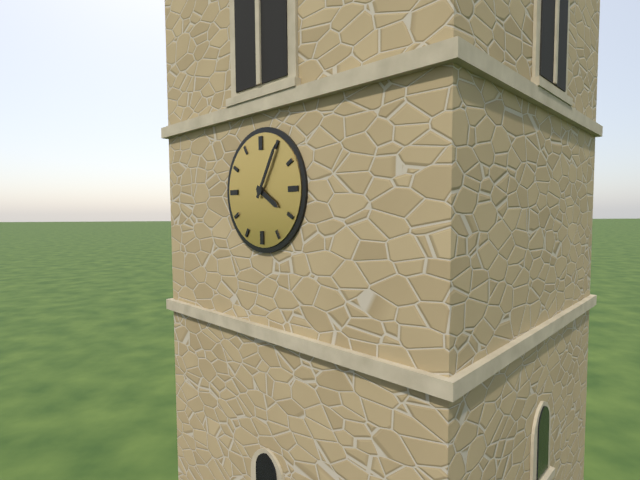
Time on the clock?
4:05
